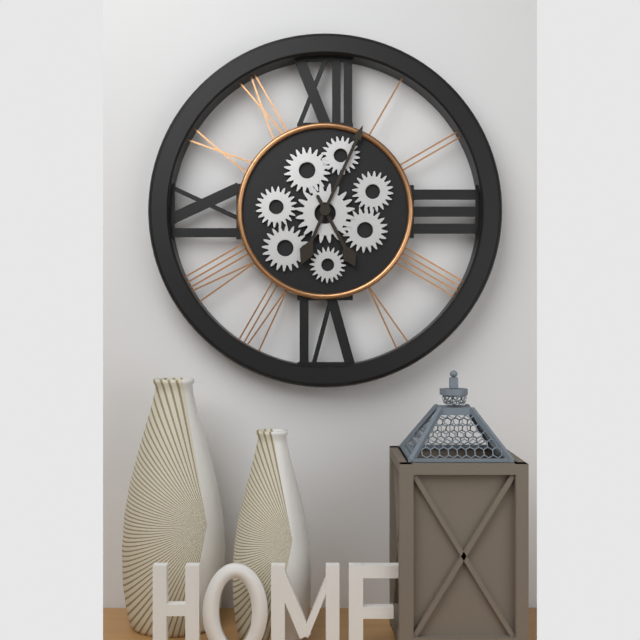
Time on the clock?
5:04
